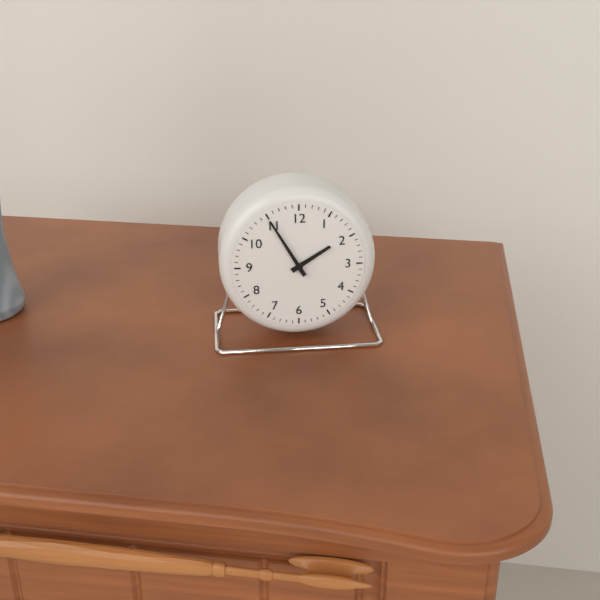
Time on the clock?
1:55
